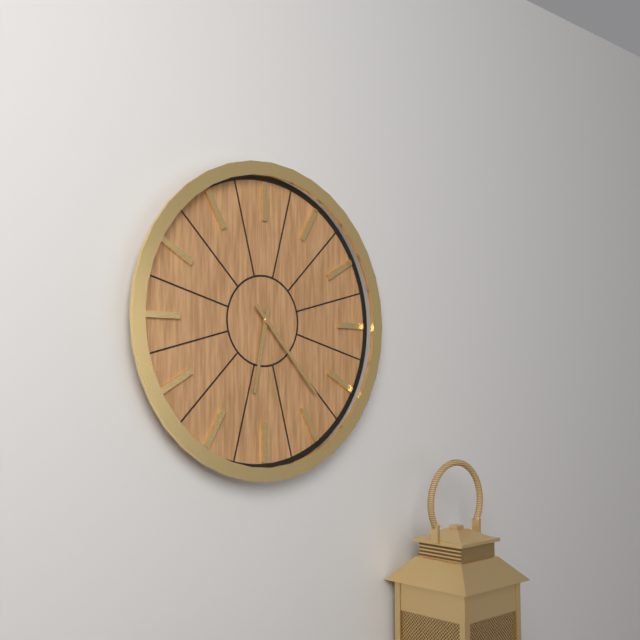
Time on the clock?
6:23
